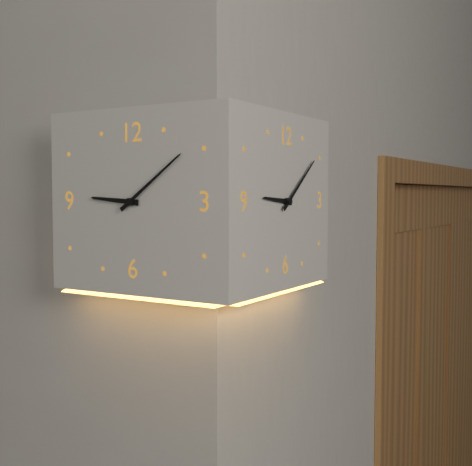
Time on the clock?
9:09
